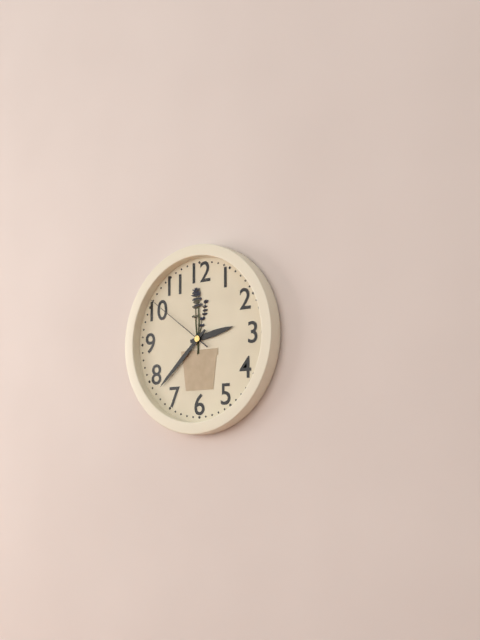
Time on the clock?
2:38:51
